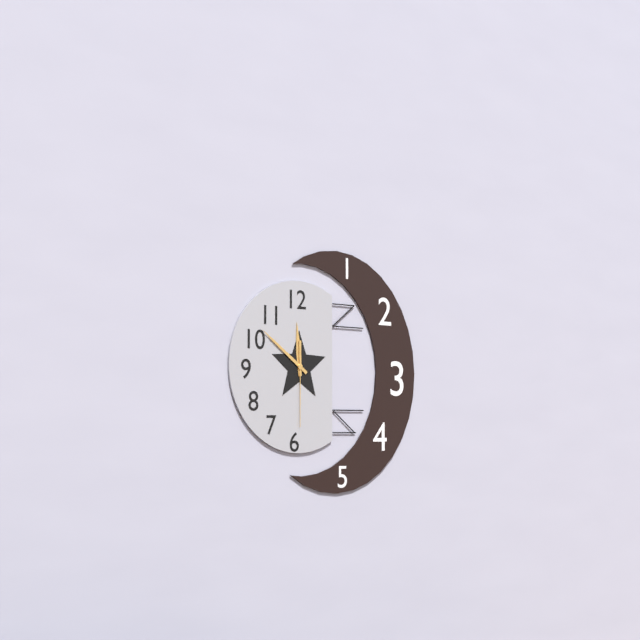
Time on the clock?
11:51:30
